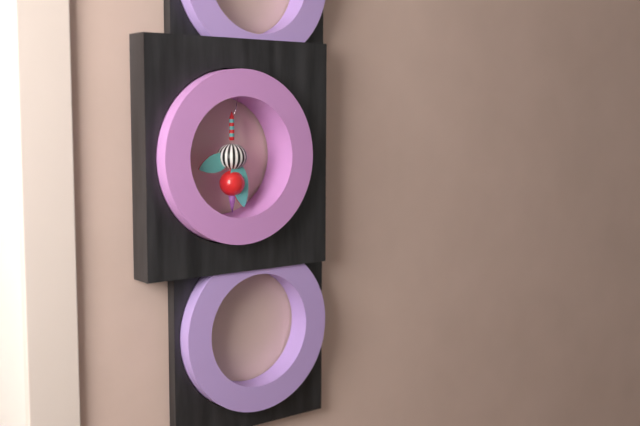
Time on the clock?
8:28
